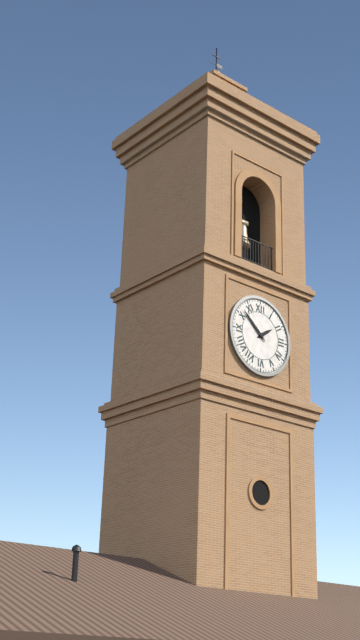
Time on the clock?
1:52
